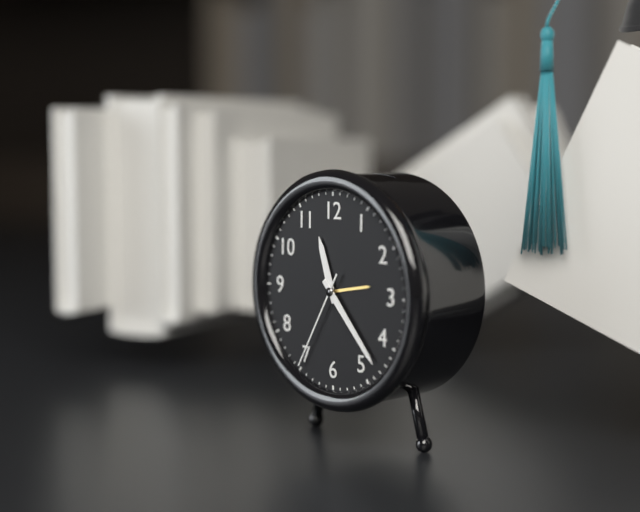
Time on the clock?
11:23:35
